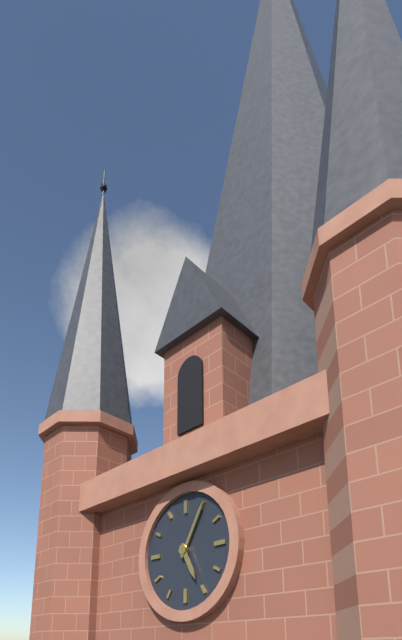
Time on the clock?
5:05
